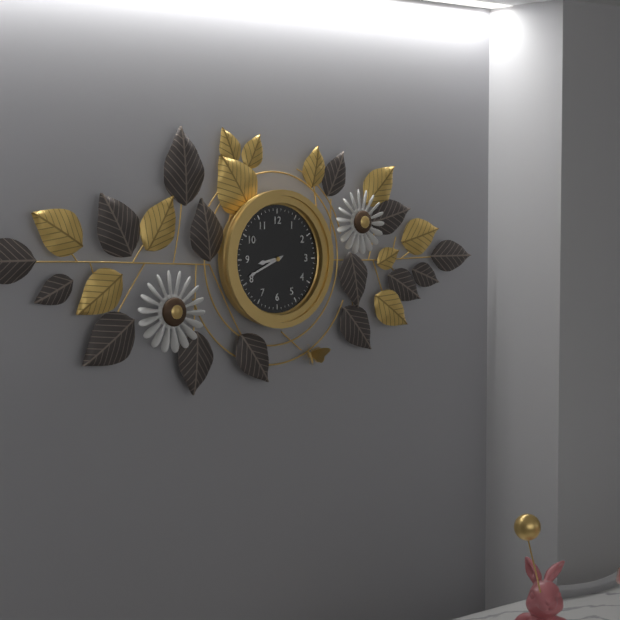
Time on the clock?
8:41
